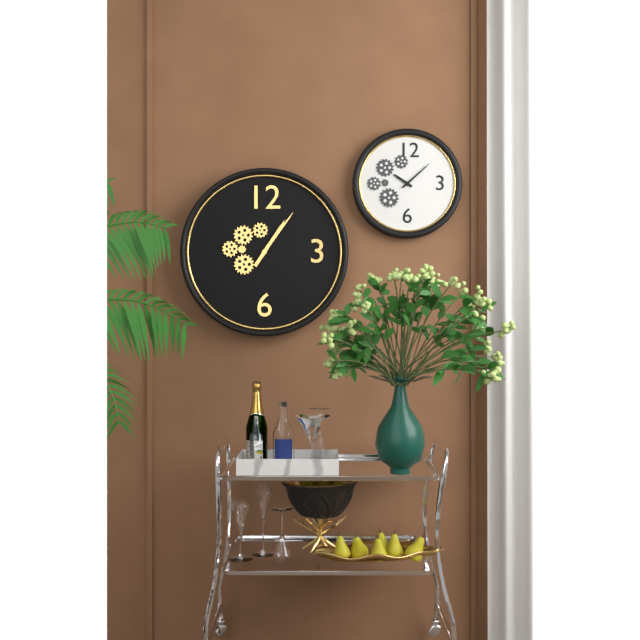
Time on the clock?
1:06
